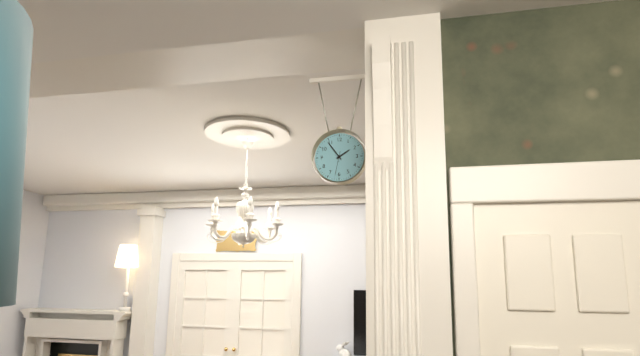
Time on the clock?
1:54
